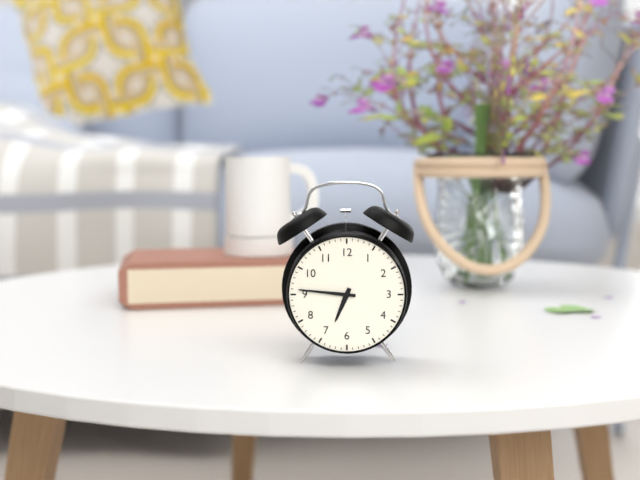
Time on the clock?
6:46
